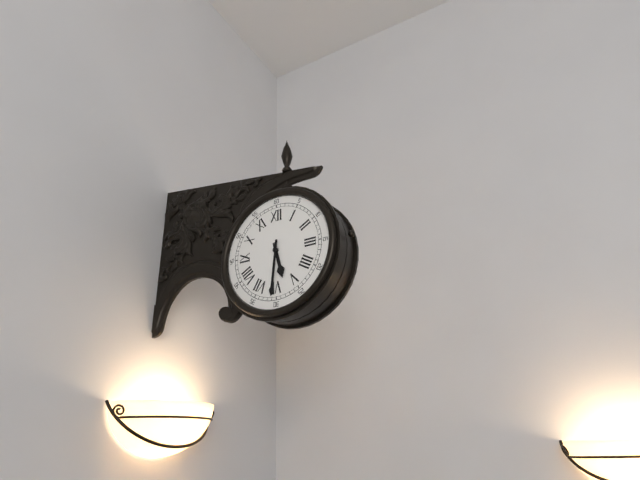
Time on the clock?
5:31
